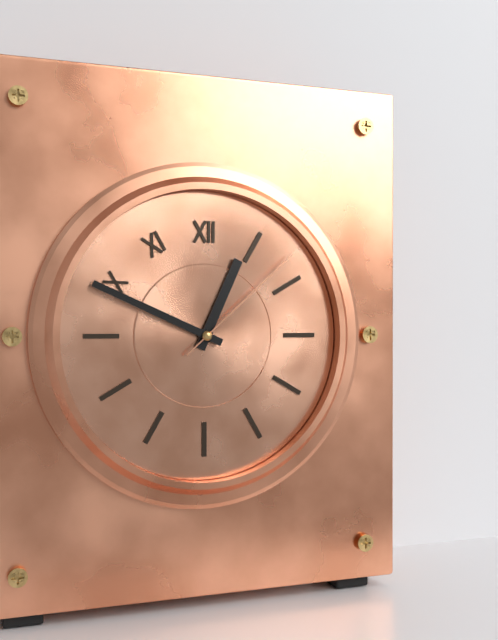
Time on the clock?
12:49:08
